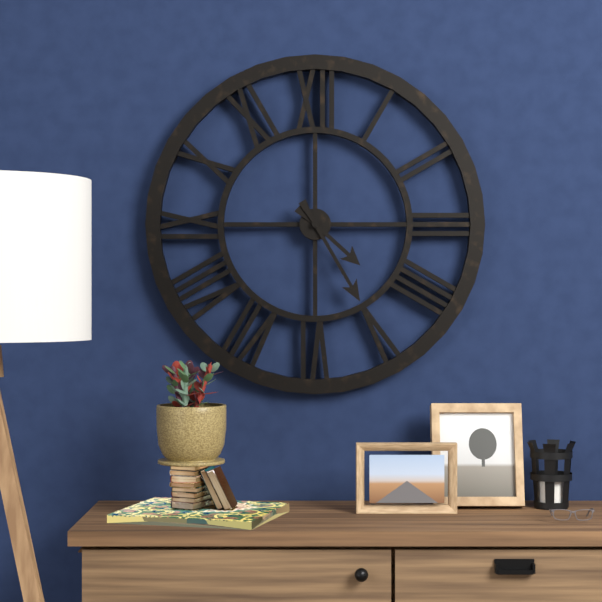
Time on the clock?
4:25
